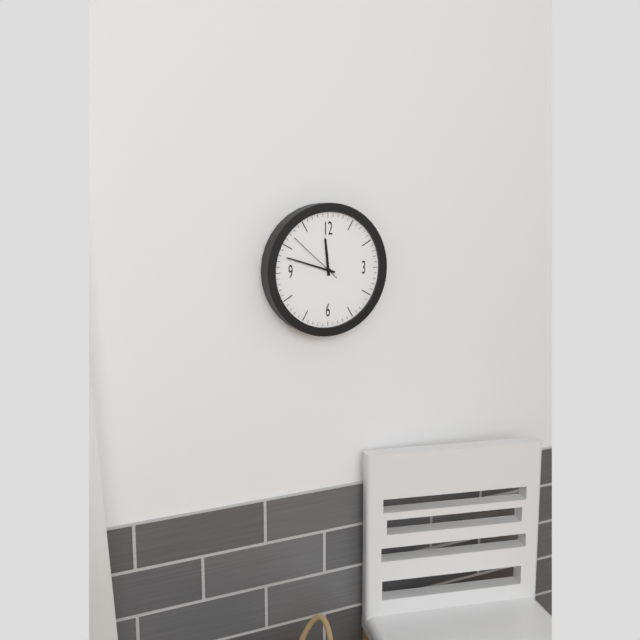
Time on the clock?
11:48:52
